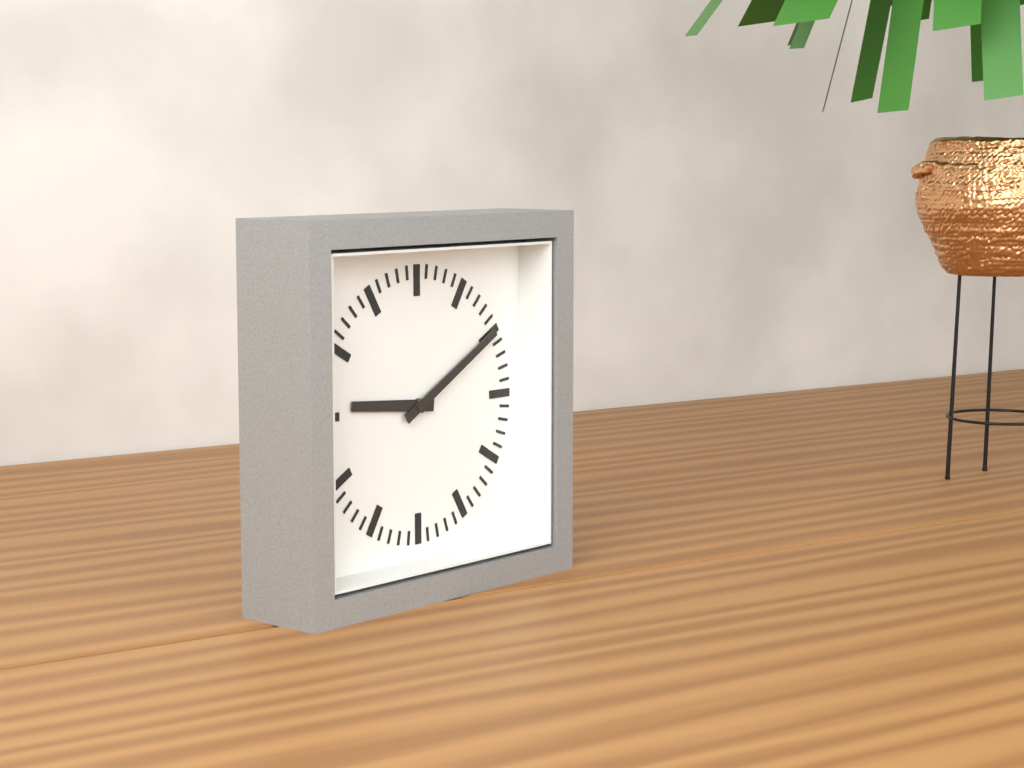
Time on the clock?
9:10
